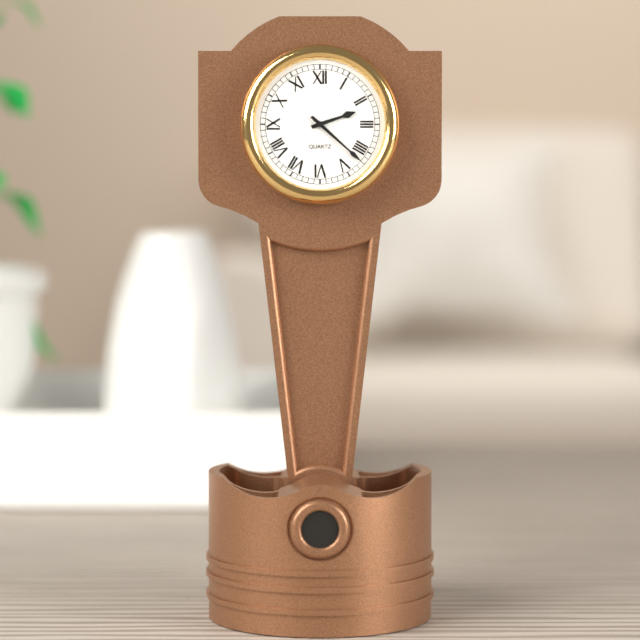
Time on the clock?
2:22
